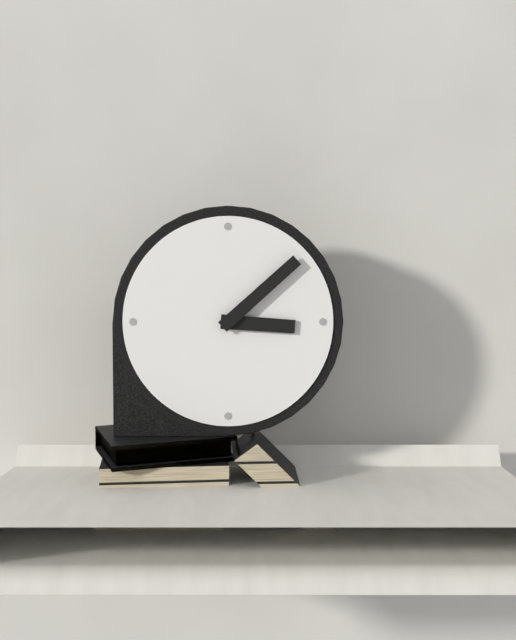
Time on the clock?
3:08
